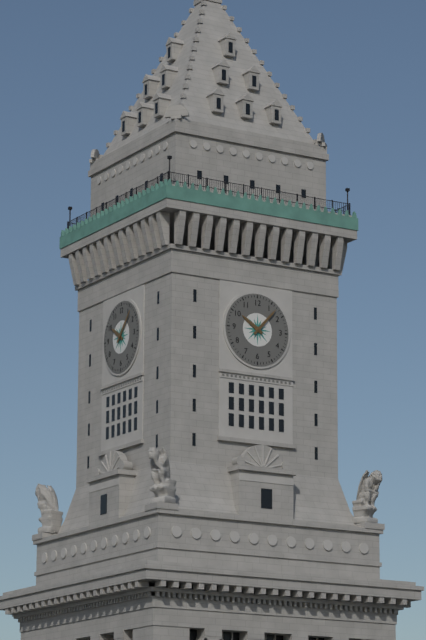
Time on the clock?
10:07
